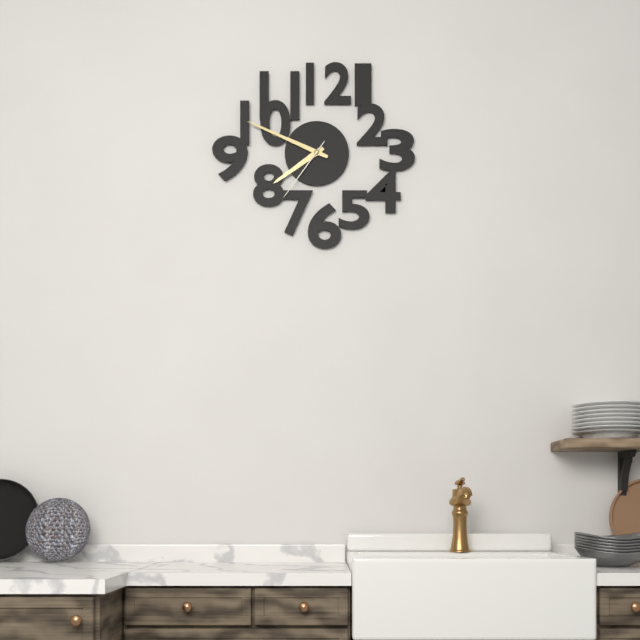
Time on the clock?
7:49:36
